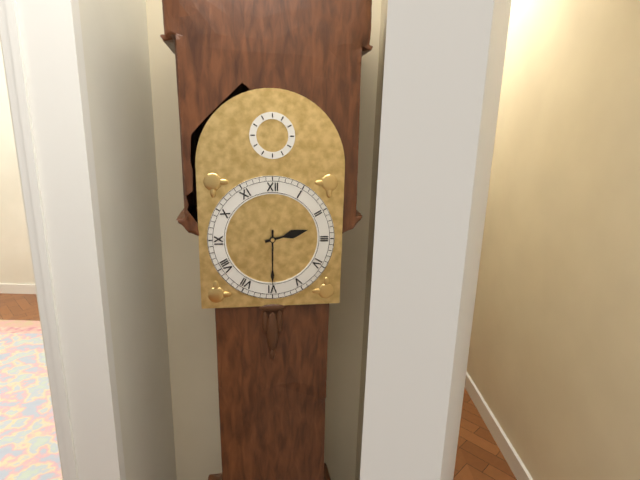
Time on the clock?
2:30
